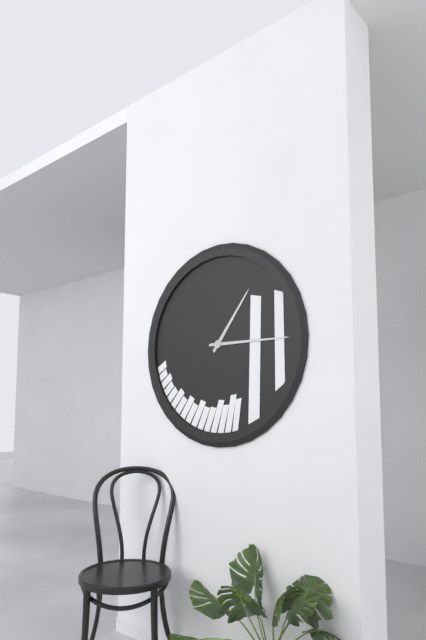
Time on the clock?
1:15
